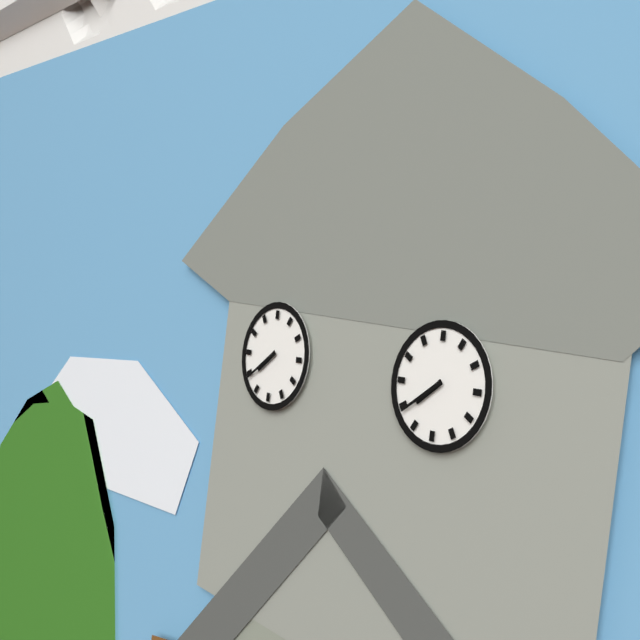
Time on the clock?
7:39
